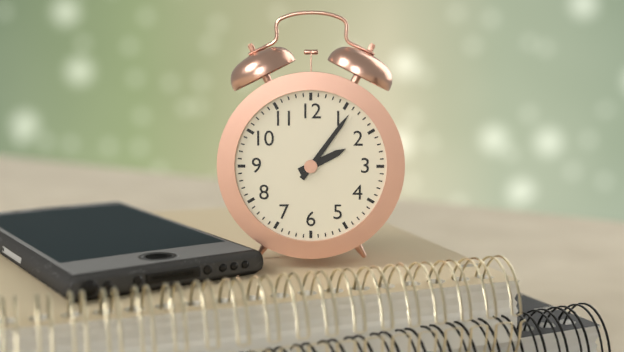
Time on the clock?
2:06
